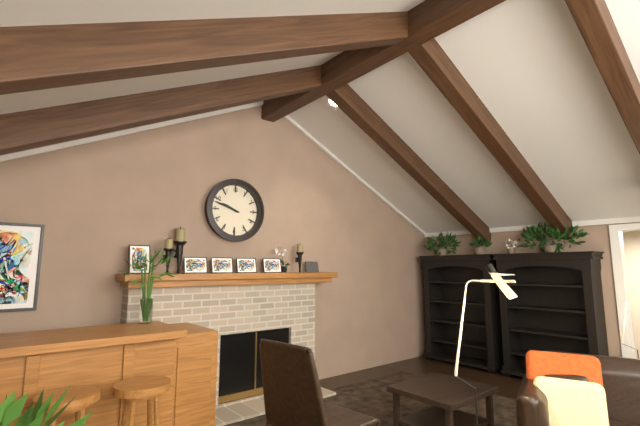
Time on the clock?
9:48
